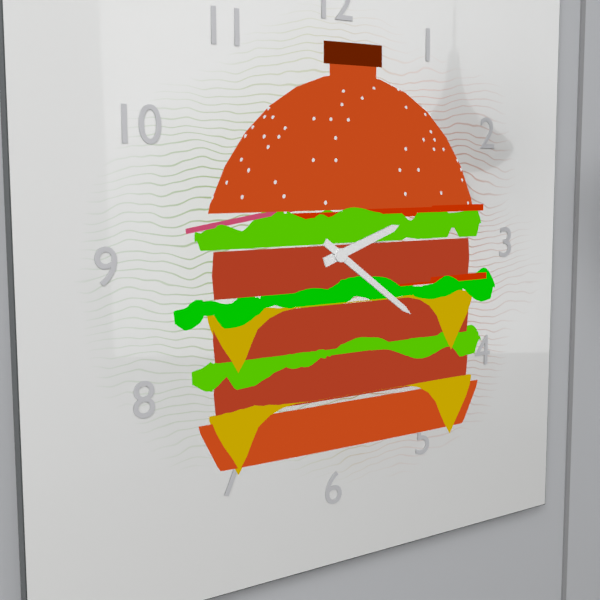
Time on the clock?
2:21
